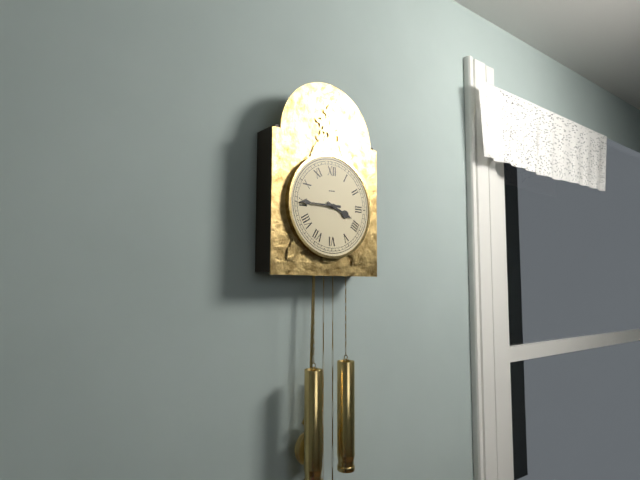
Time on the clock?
3:45
